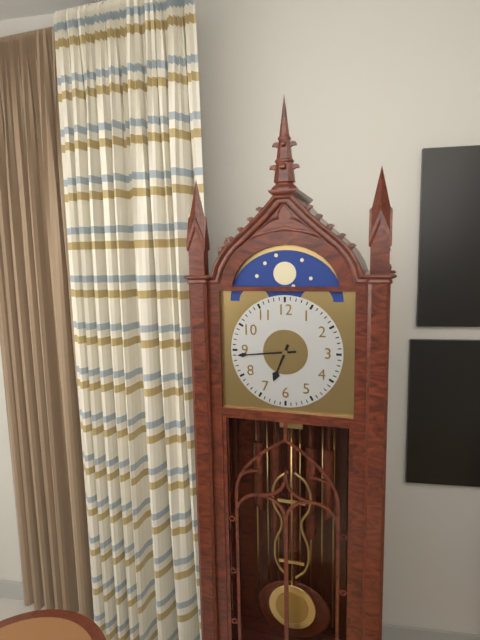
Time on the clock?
6:44
